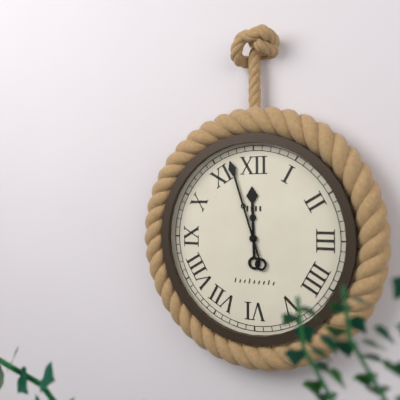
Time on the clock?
11:57
